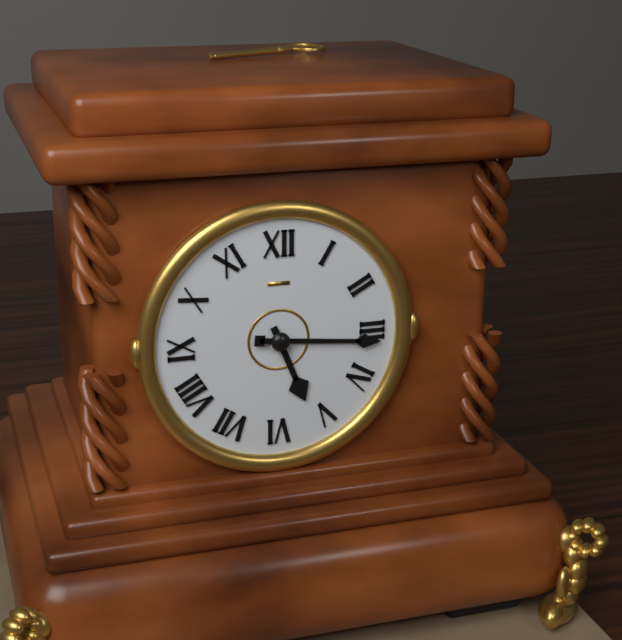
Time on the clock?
5:16
